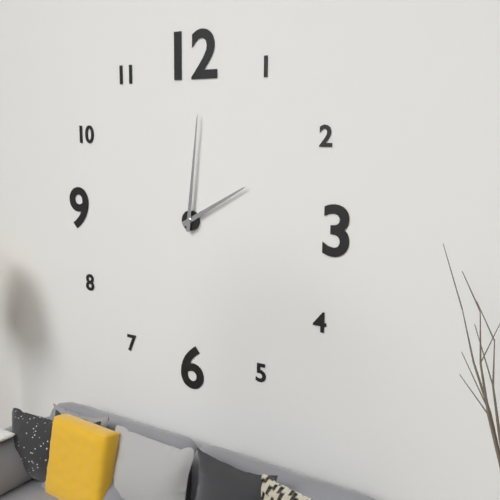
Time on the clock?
2:01
